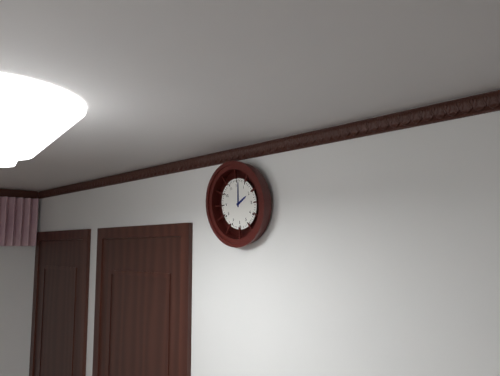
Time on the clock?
2:01
